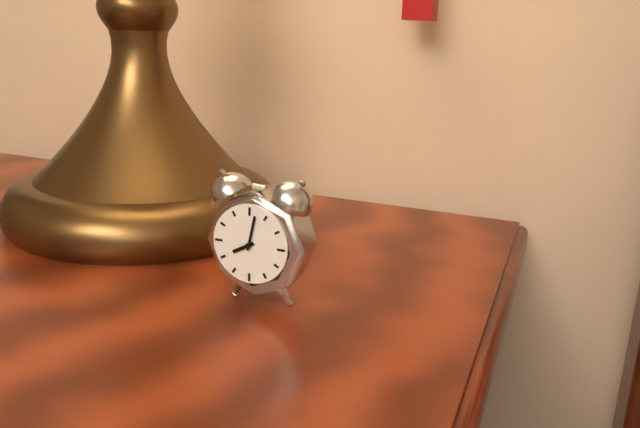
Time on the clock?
8:02
